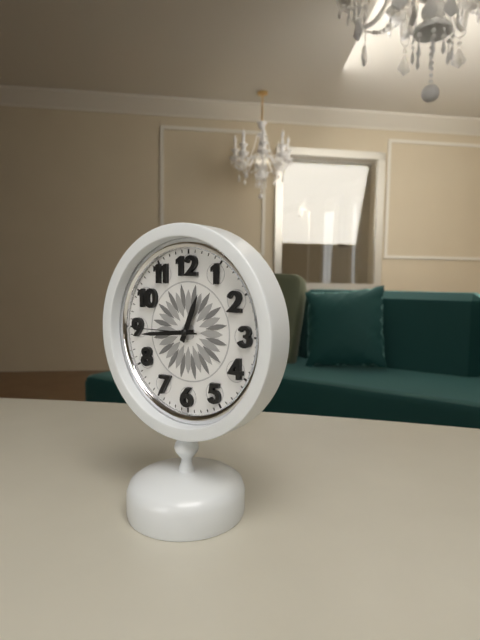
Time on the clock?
12:44:45
